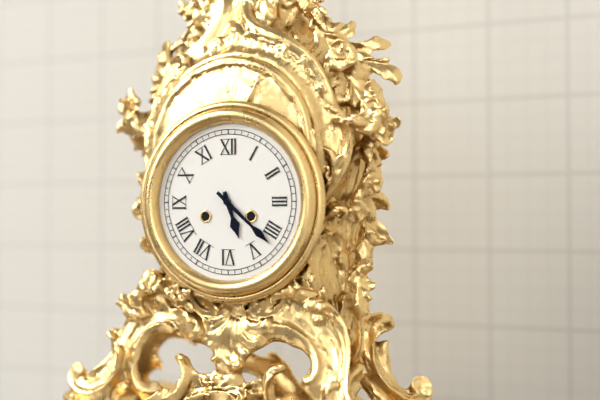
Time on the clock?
5:22
